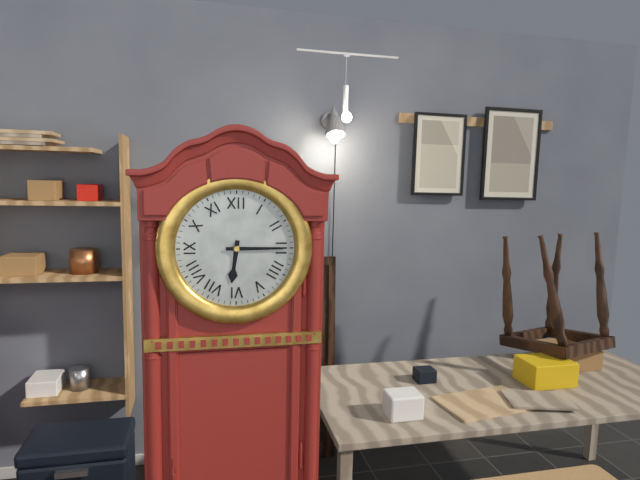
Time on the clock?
6:15
